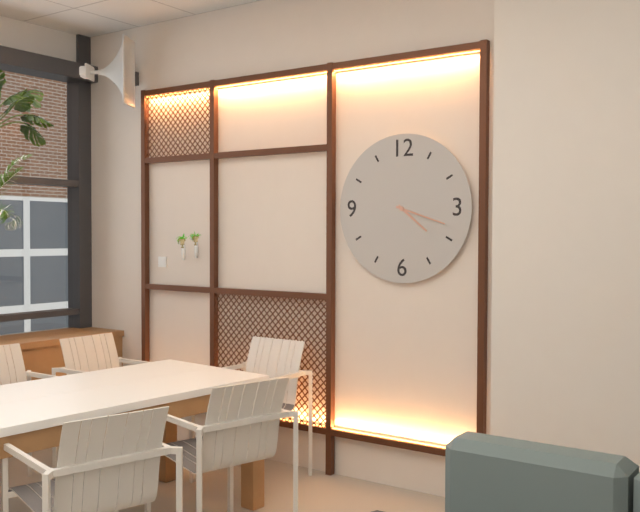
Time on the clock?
4:18
